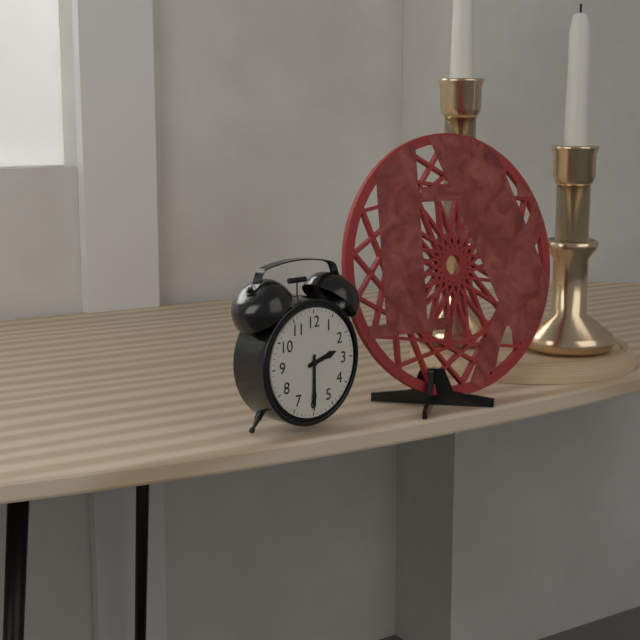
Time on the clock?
2:30
